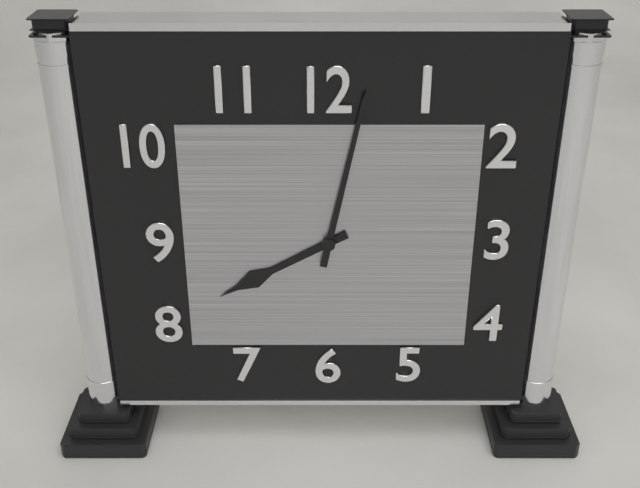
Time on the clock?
8:02
